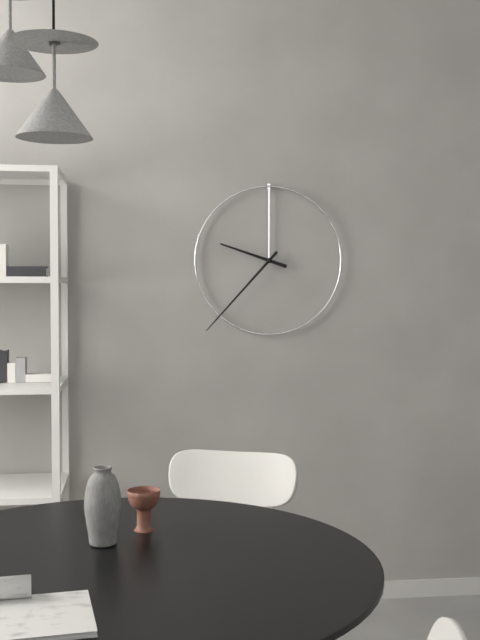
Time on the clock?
9:37
